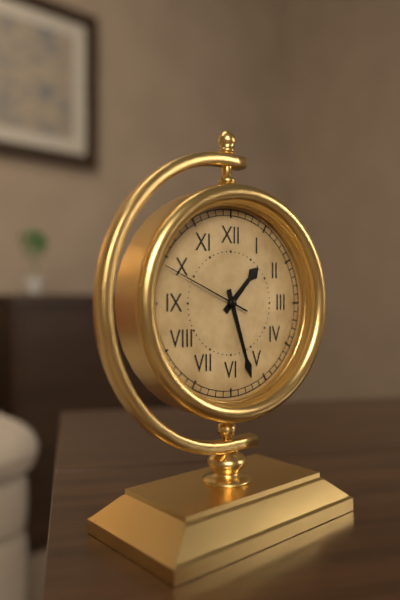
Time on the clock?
1:27:49
